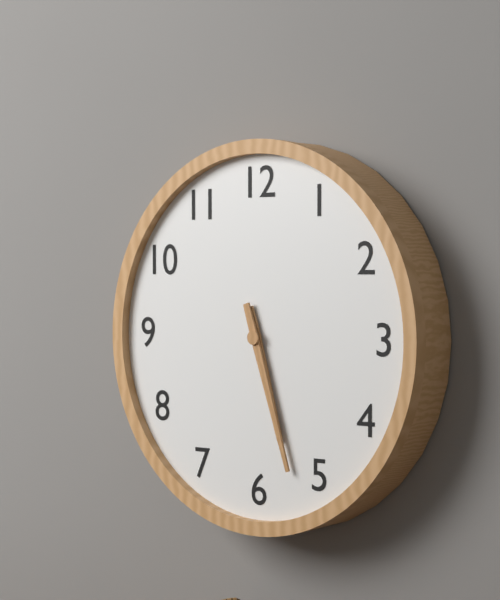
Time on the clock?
5:27
